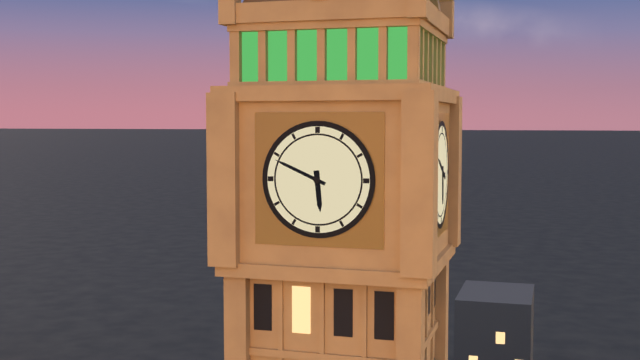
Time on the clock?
5:49
